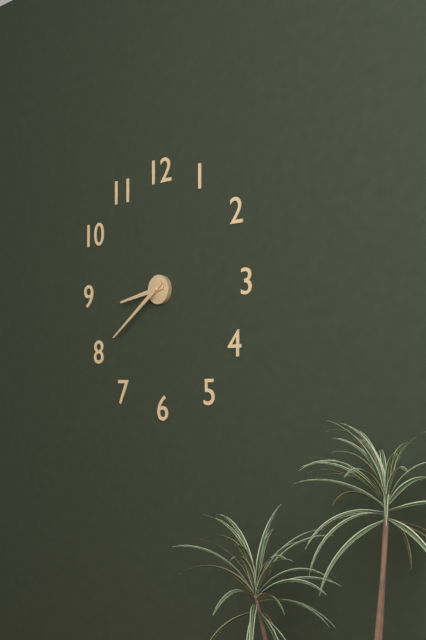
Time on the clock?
8:39
